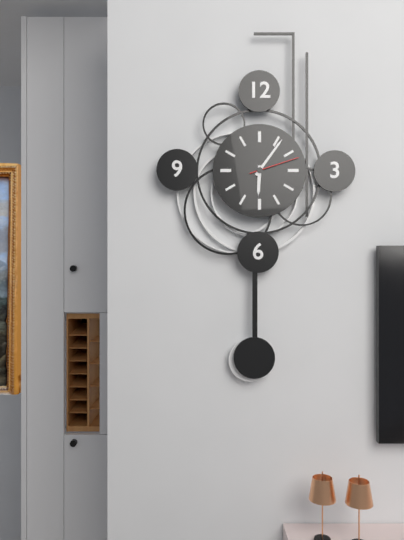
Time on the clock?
6:06:12
